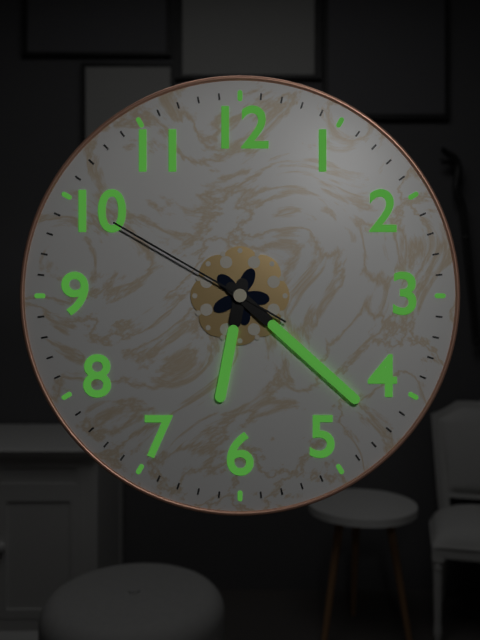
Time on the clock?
6:22:50
